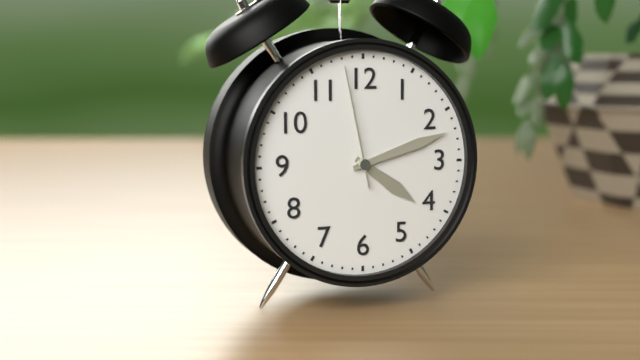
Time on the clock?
4:12:58
